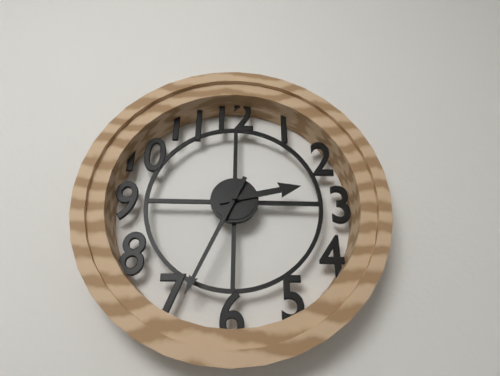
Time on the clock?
2:34
